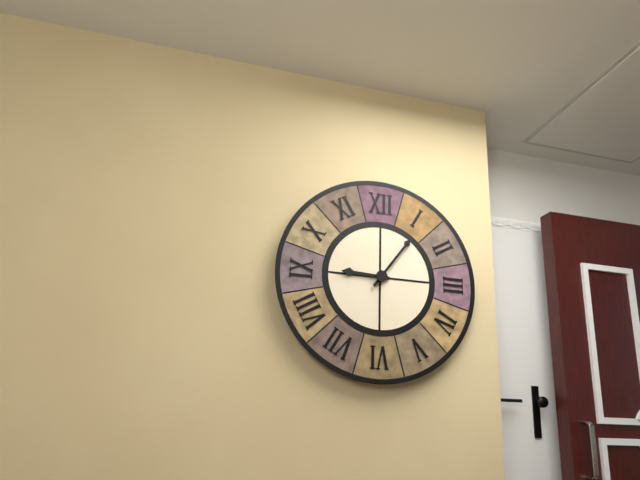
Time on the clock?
9:06
